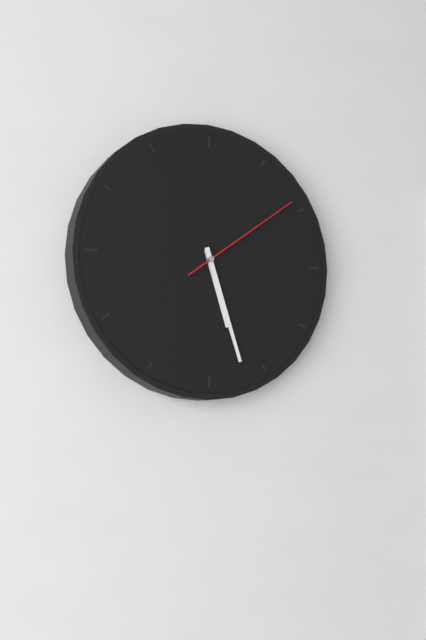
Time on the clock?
5:27:09
